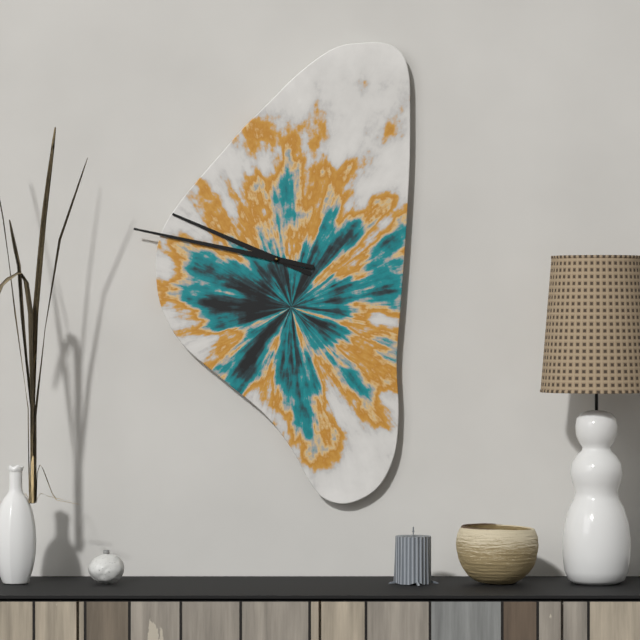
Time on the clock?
9:47
